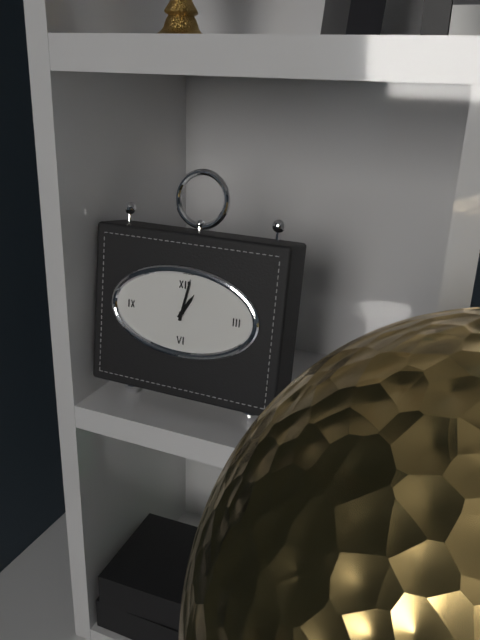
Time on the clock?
1:02
